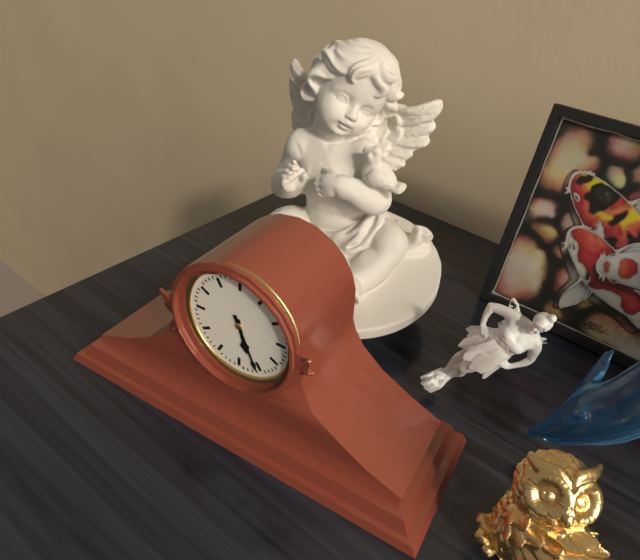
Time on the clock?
5:26
